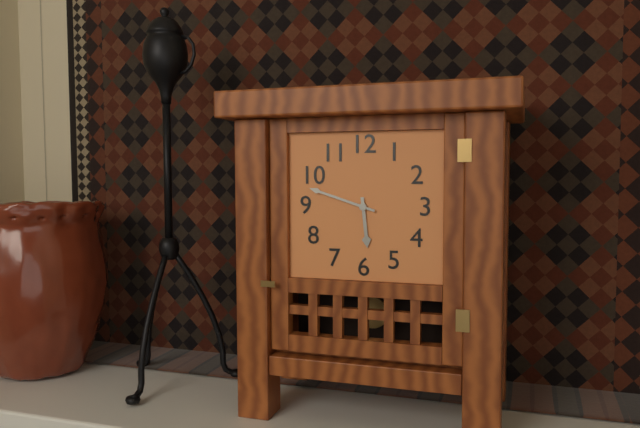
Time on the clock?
5:48
